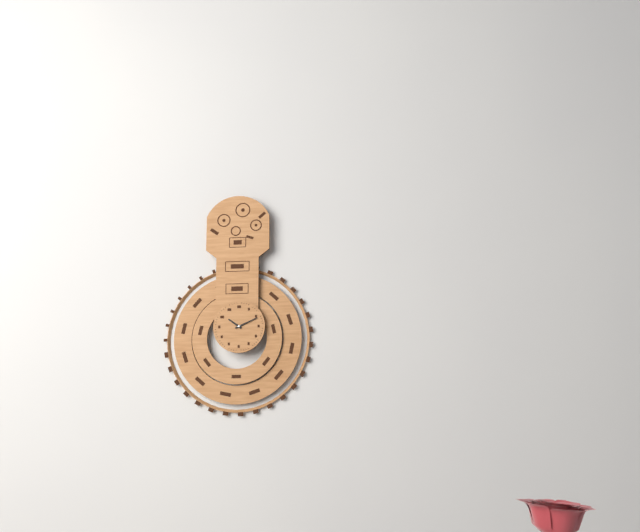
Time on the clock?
10:11
